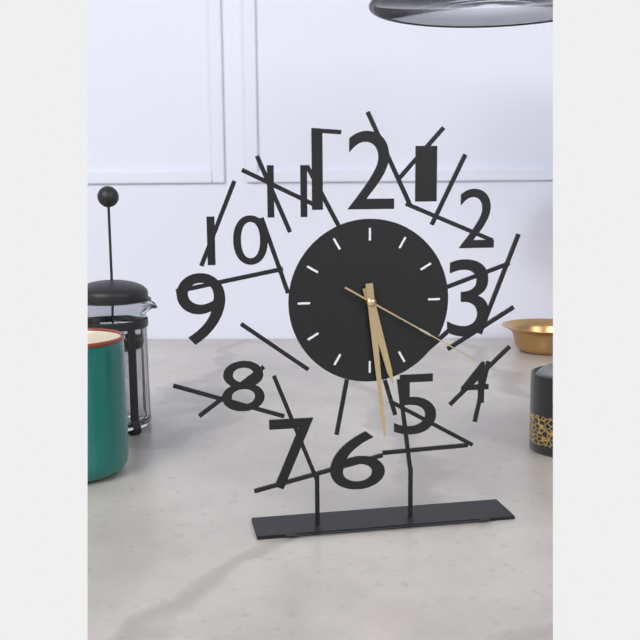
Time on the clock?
5:29:20
